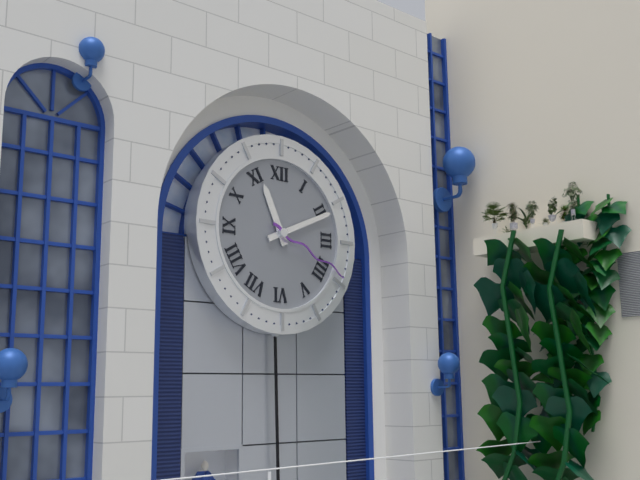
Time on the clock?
11:11:19
